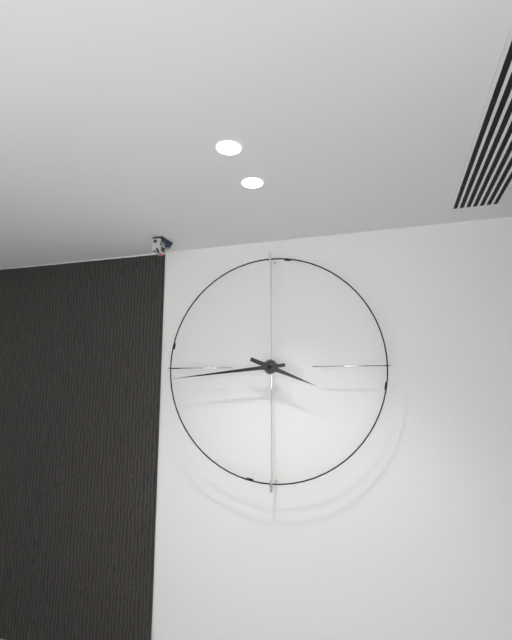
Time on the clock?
3:44
